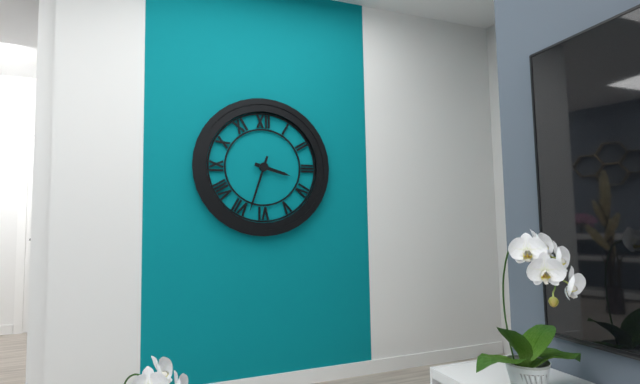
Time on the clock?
3:33
